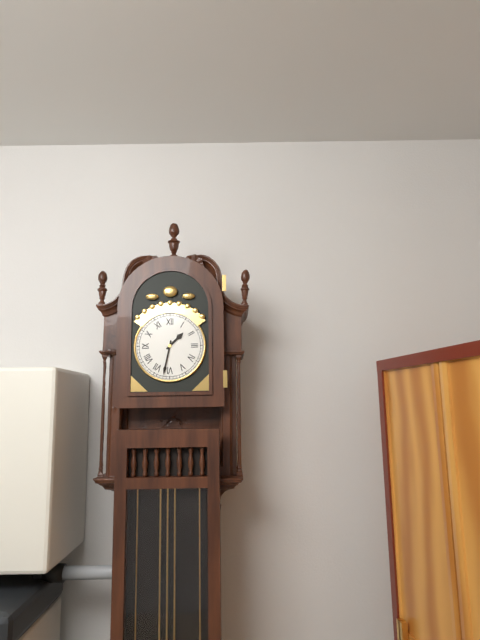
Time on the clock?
1:32
